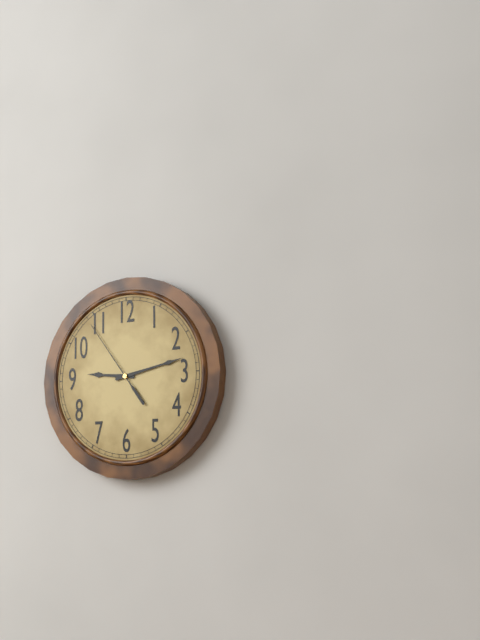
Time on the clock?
9:13:54
